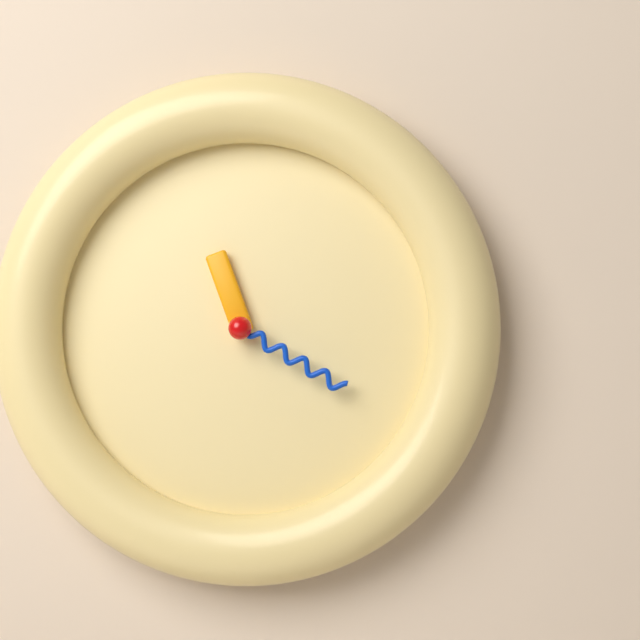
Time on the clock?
11:20
